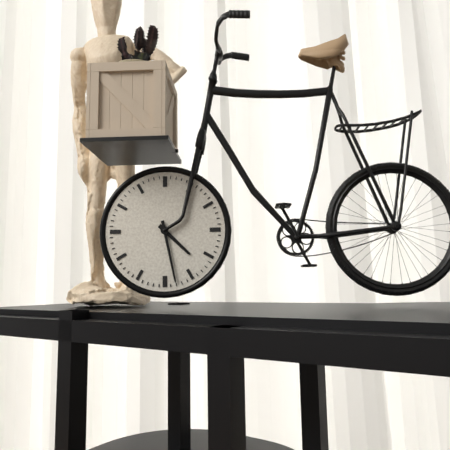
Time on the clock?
4:28
